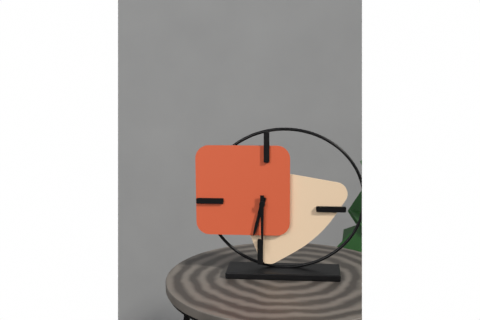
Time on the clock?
6:30
